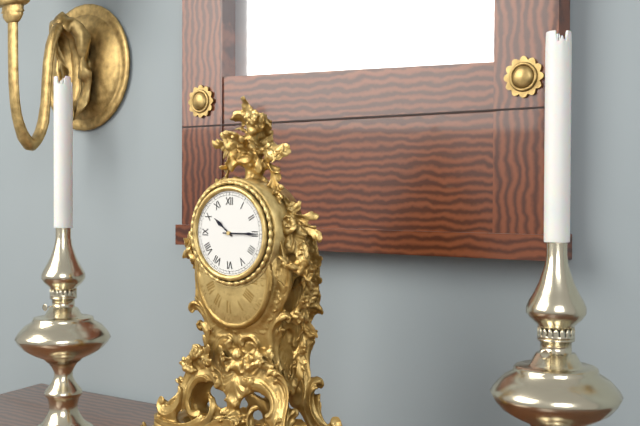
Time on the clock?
10:15
